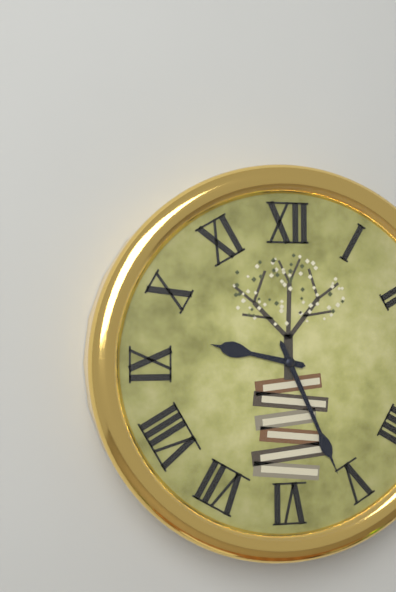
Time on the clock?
9:26
